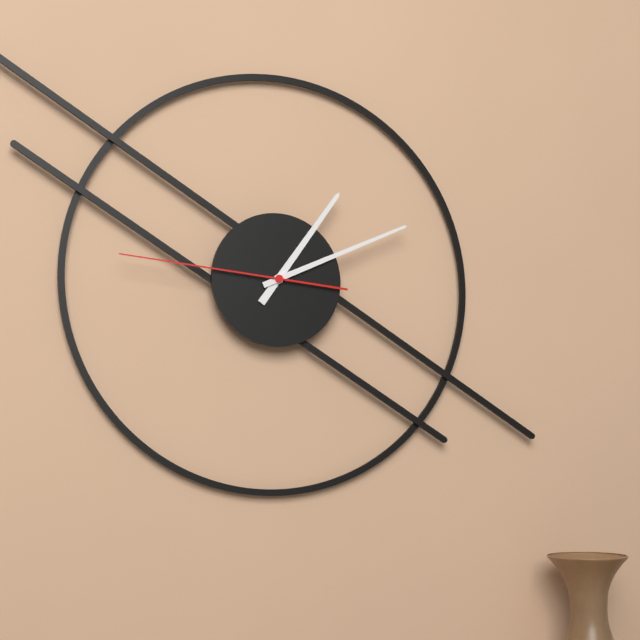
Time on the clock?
1:11:46
